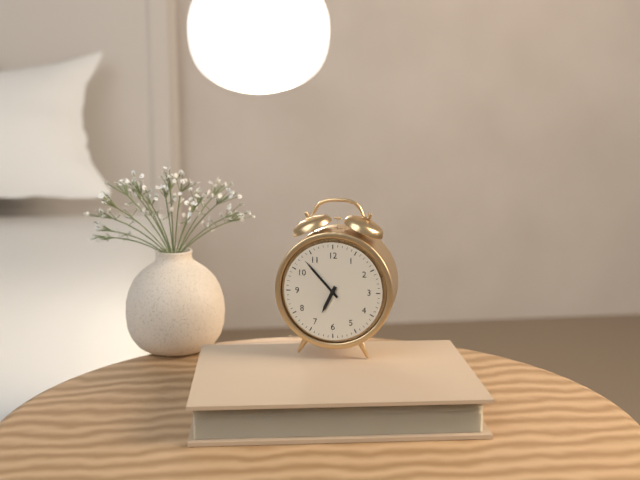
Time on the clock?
6:53
